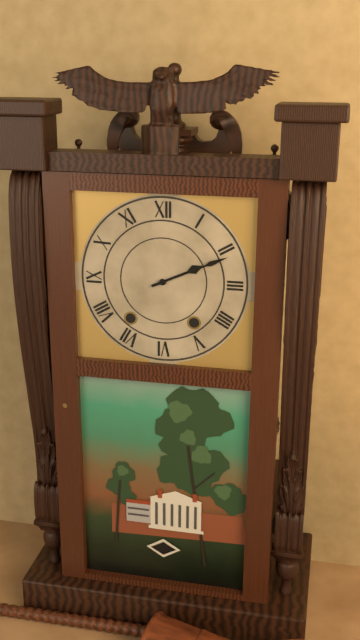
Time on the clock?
2:11
